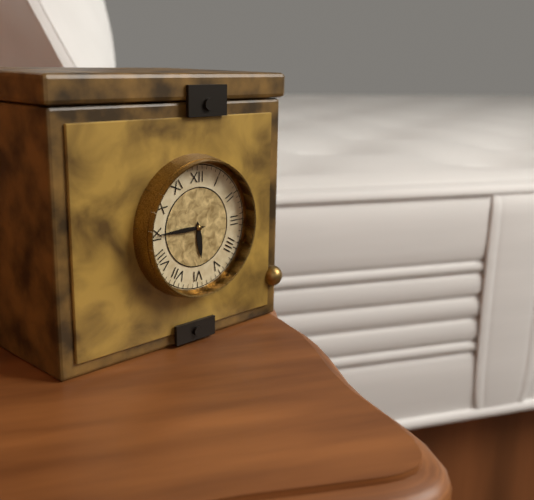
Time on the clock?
5:45
